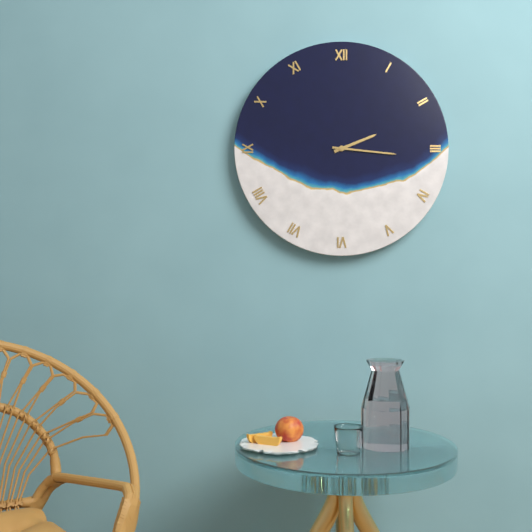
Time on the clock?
2:16
